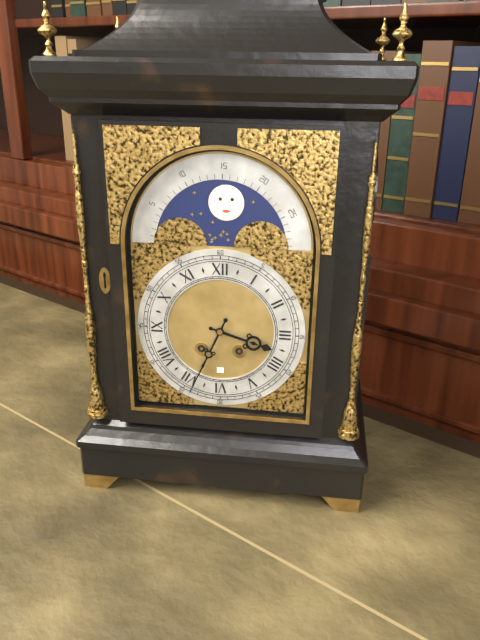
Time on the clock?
3:34
